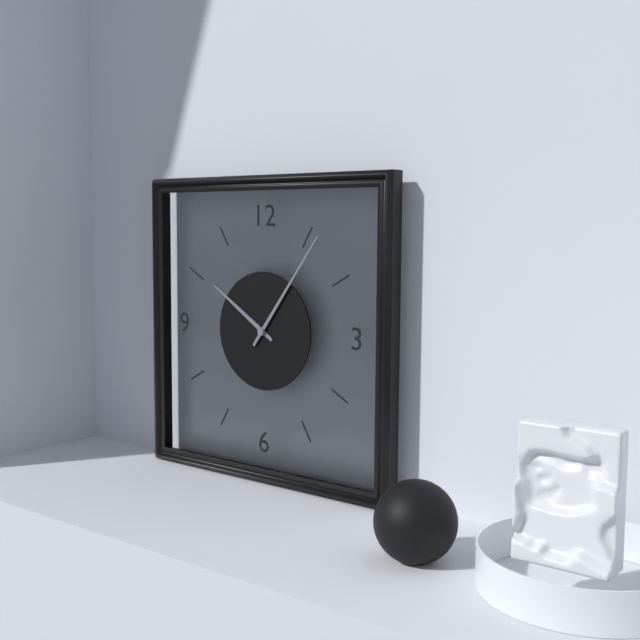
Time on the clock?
10:06
